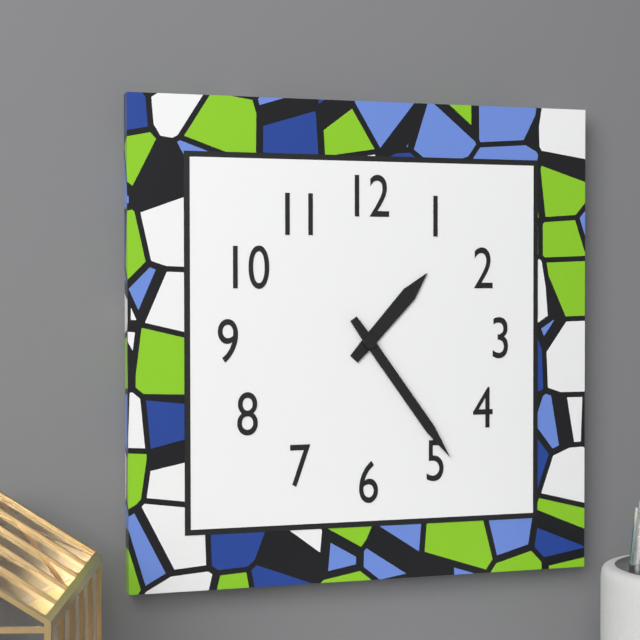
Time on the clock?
1:24
